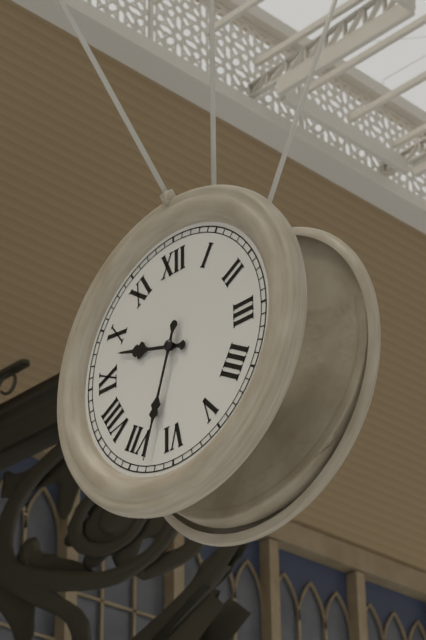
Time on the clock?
9:33
